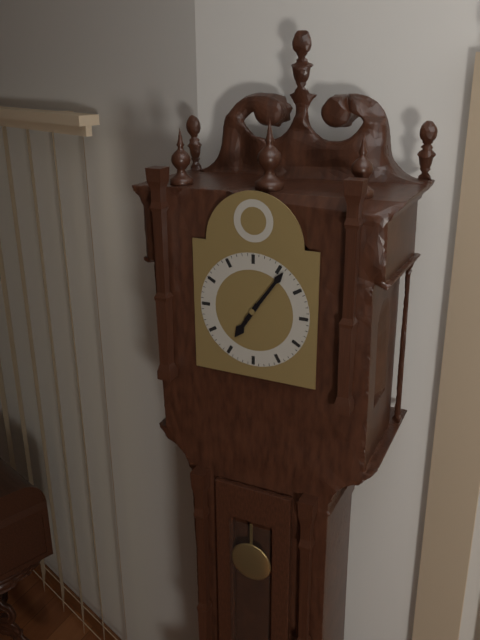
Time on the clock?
7:06
